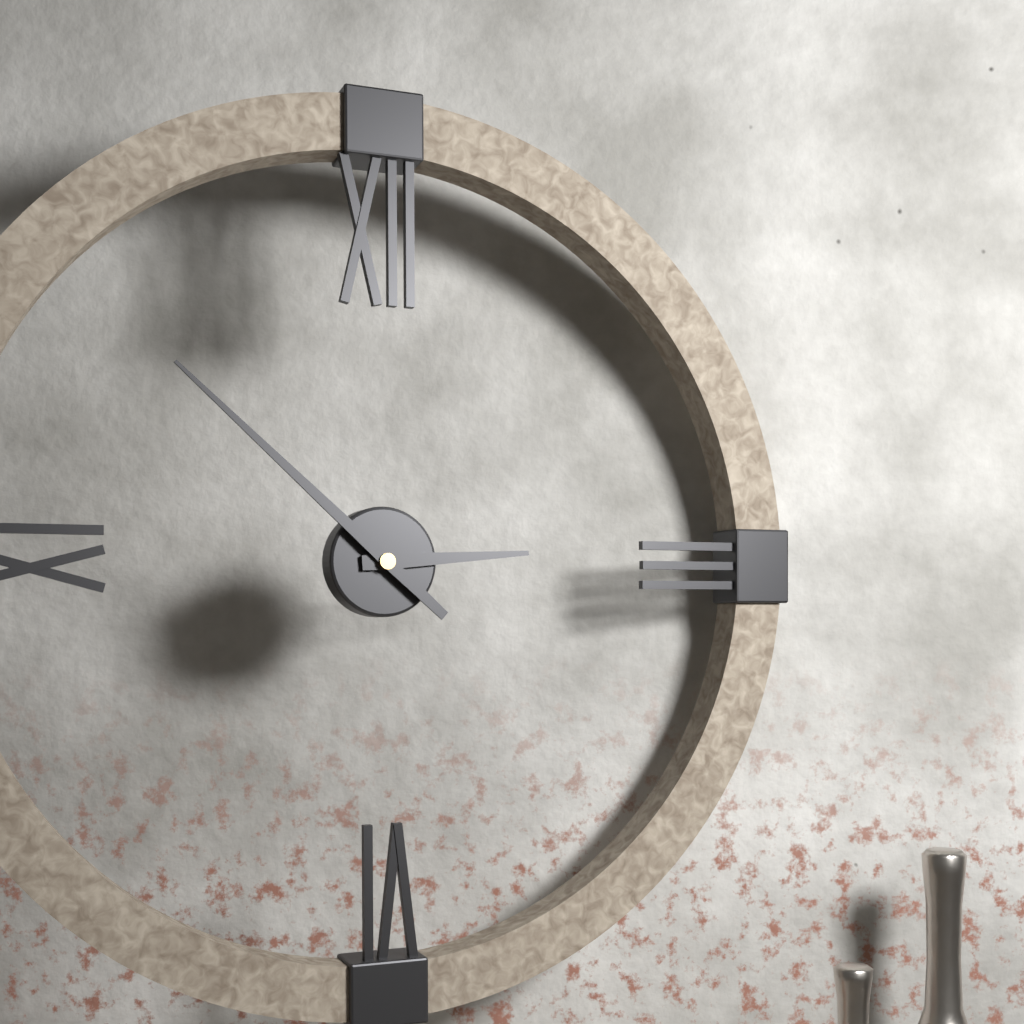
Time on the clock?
2:52
